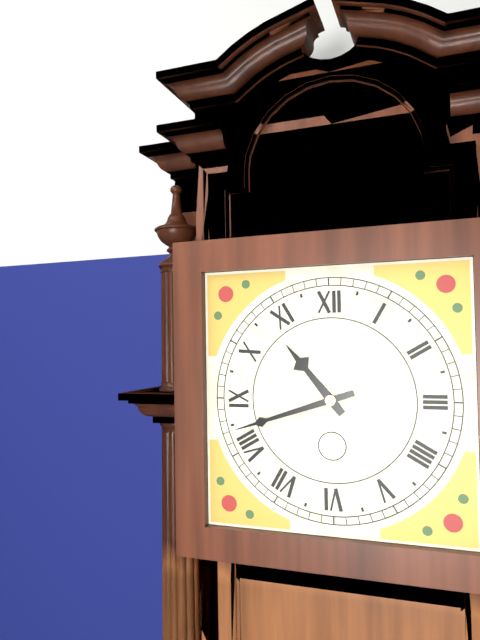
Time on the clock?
10:42
